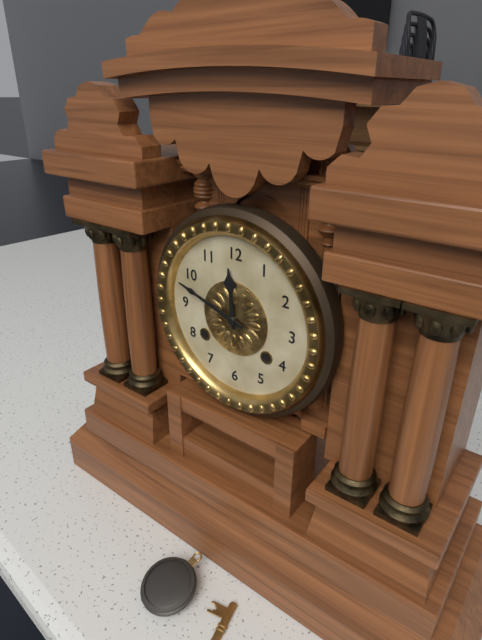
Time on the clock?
11:48
